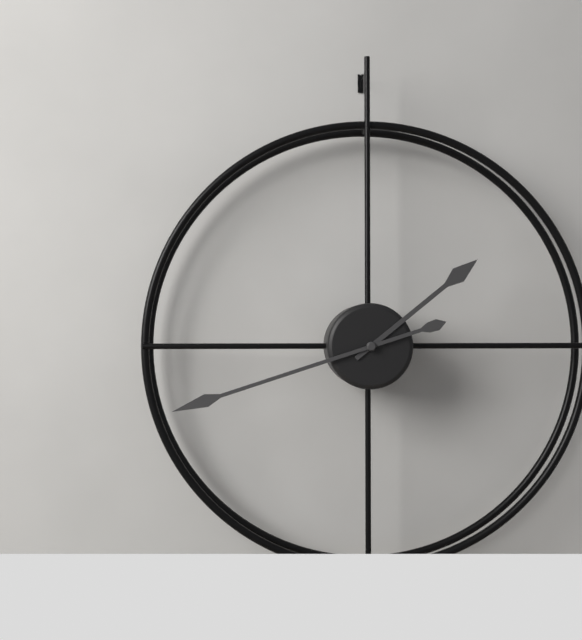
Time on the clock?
1:42
